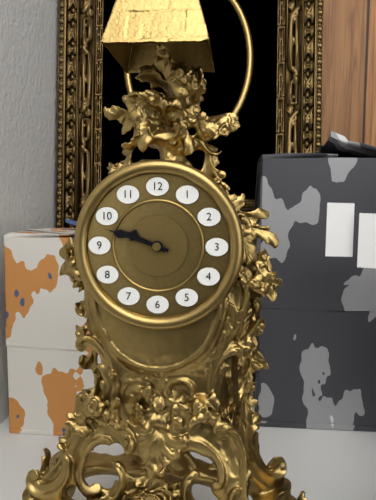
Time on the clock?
9:48
